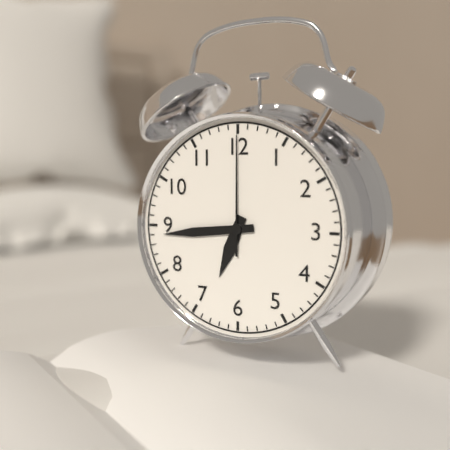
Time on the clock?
6:44:00
